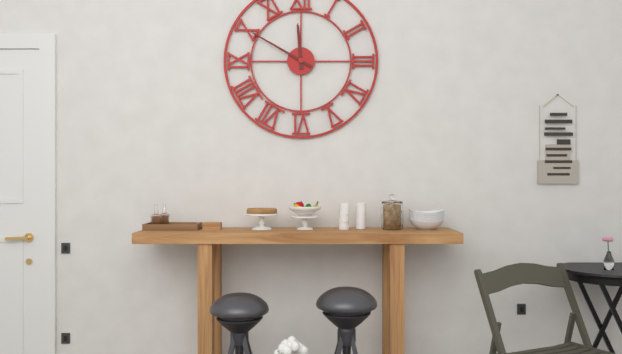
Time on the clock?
11:50
